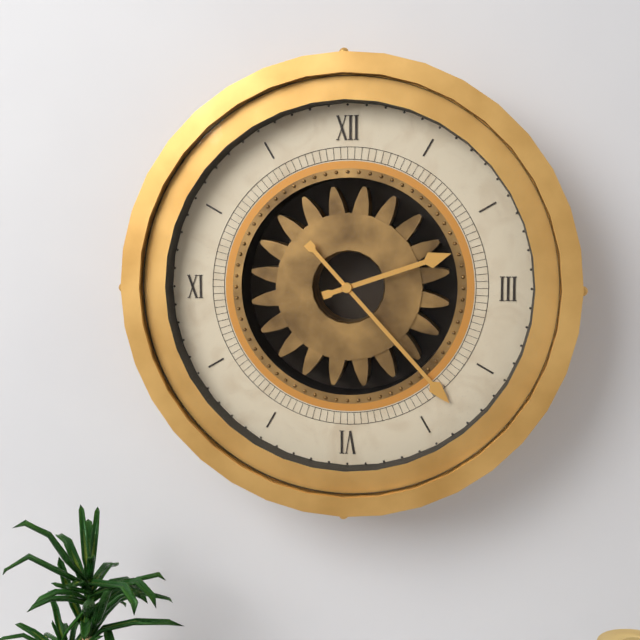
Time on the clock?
2:23
